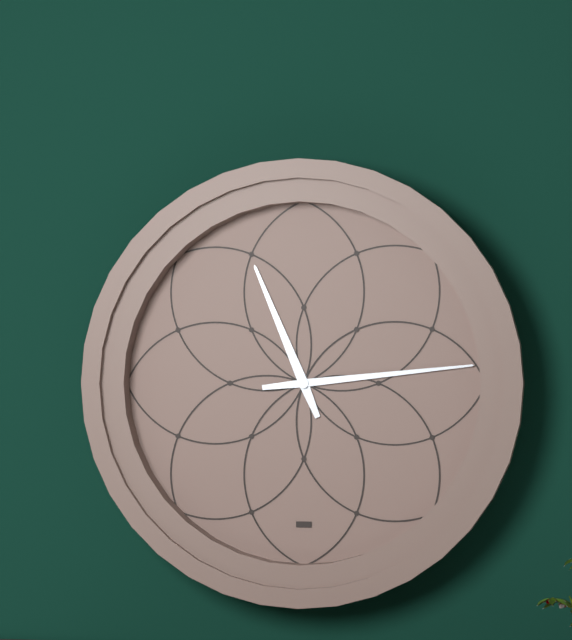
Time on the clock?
11:14
